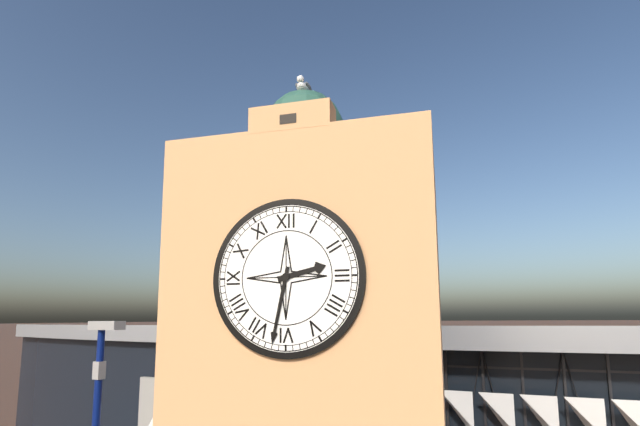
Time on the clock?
2:32
